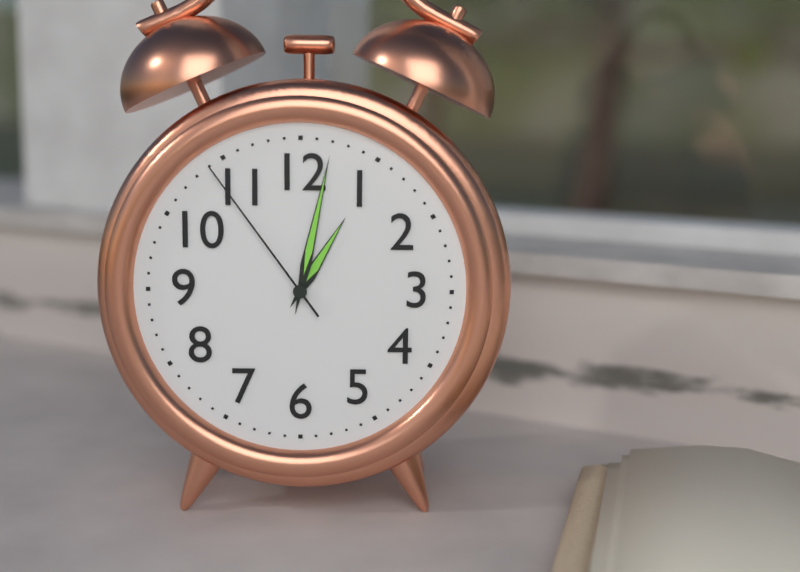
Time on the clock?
1:02:54
